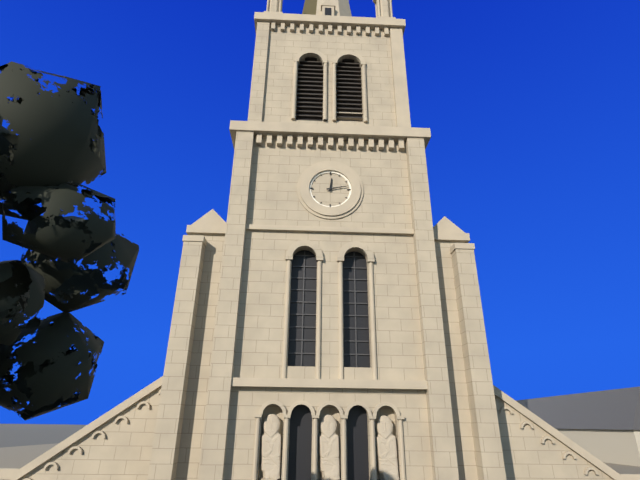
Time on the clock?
12:13
